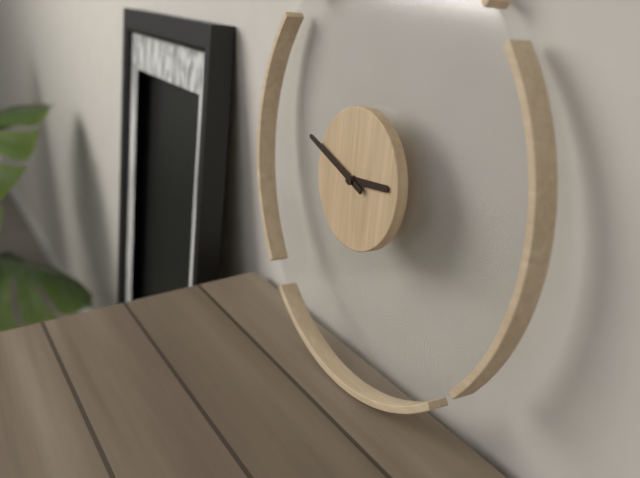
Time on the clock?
2:48
